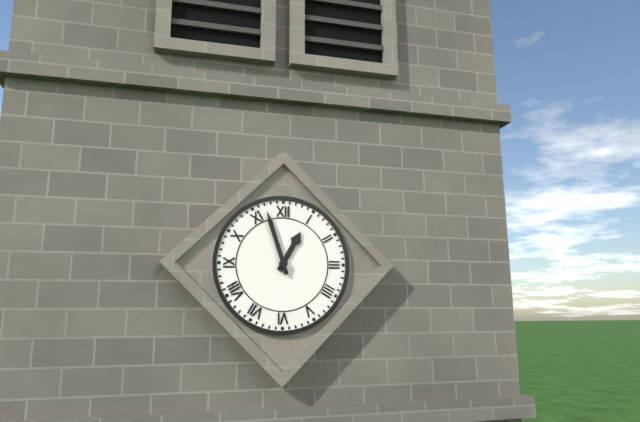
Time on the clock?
12:57
